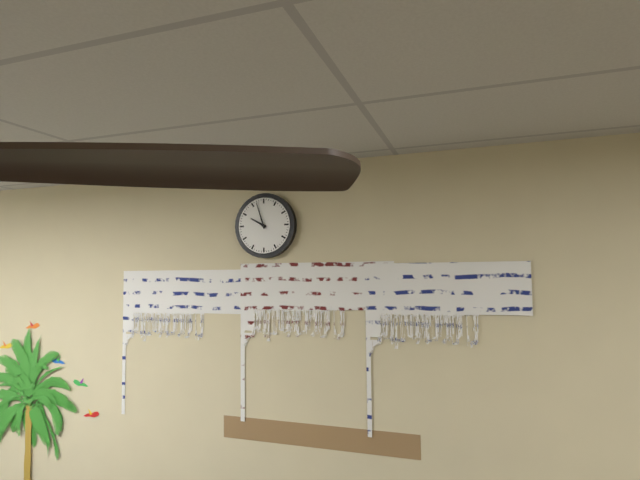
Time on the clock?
9:57
